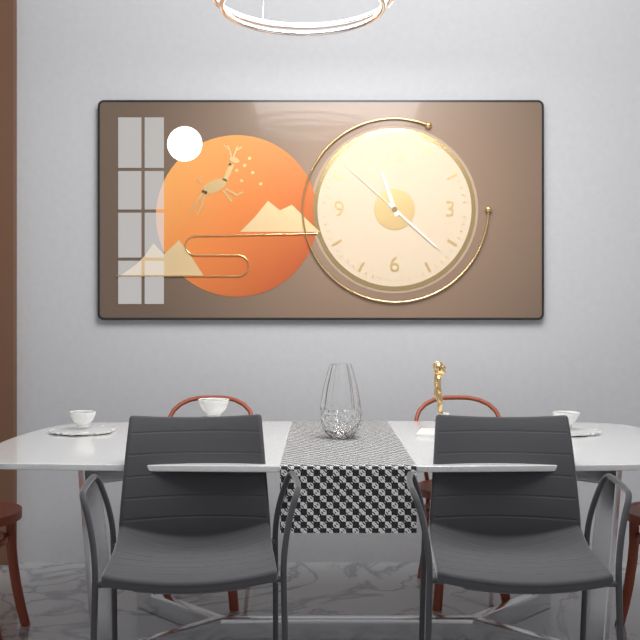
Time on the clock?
11:22:52
